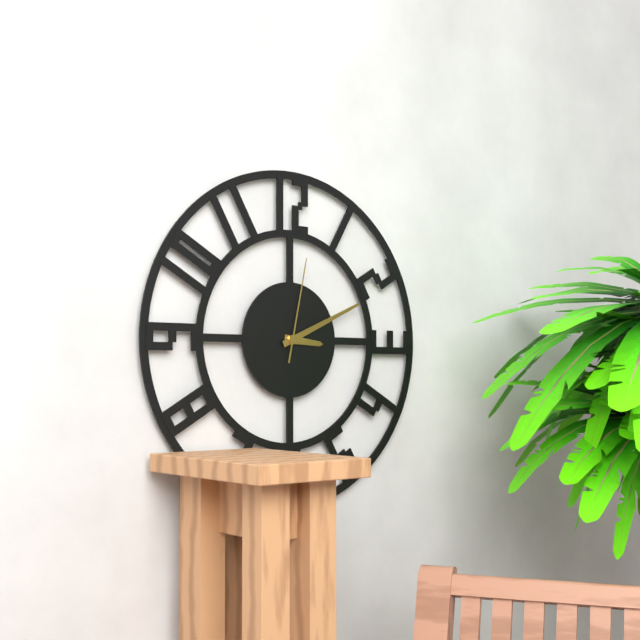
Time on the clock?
3:11:02
